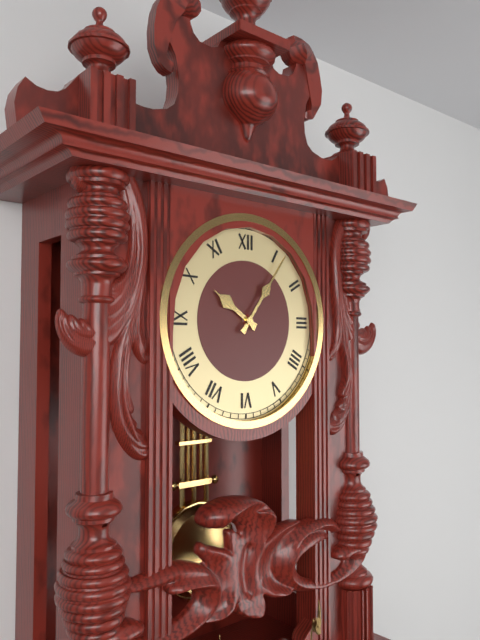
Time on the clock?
10:06
